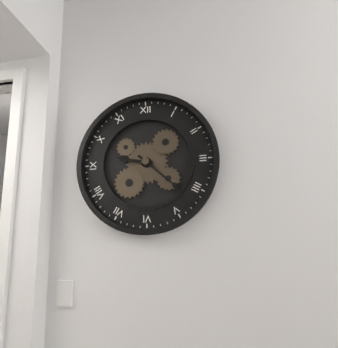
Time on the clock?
9:22
